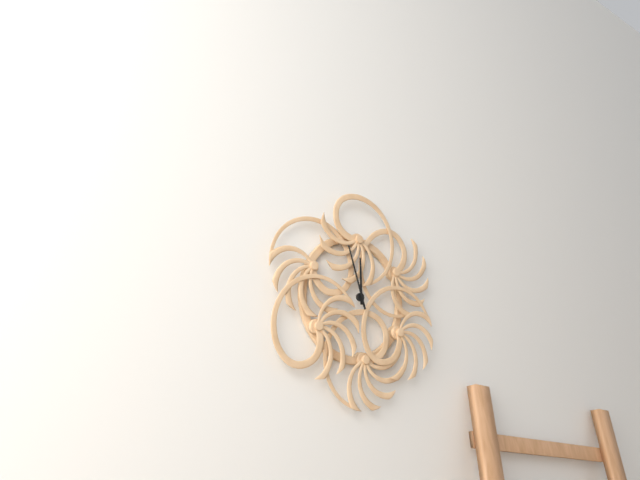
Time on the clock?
11:57
